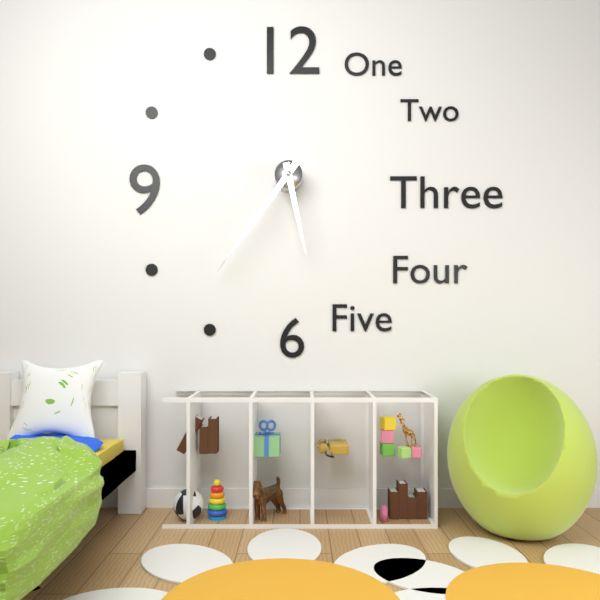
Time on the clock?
5:36
